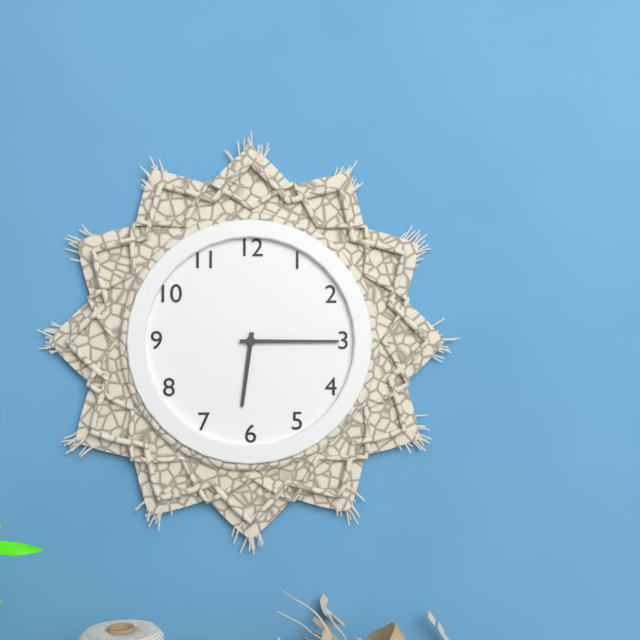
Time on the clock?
6:15
